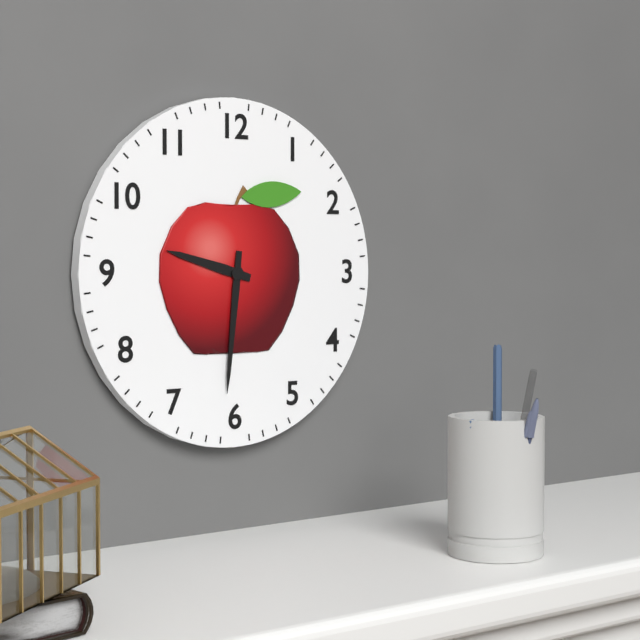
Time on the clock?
9:31
